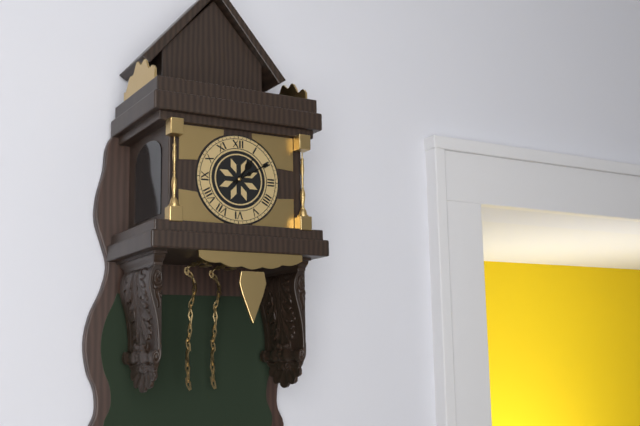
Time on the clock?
1:10
